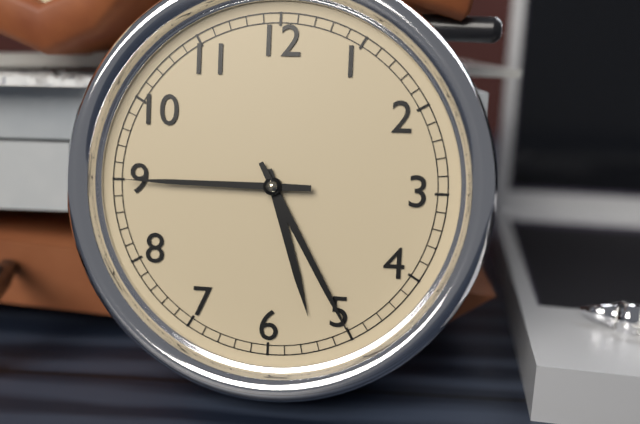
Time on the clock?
5:25:45
